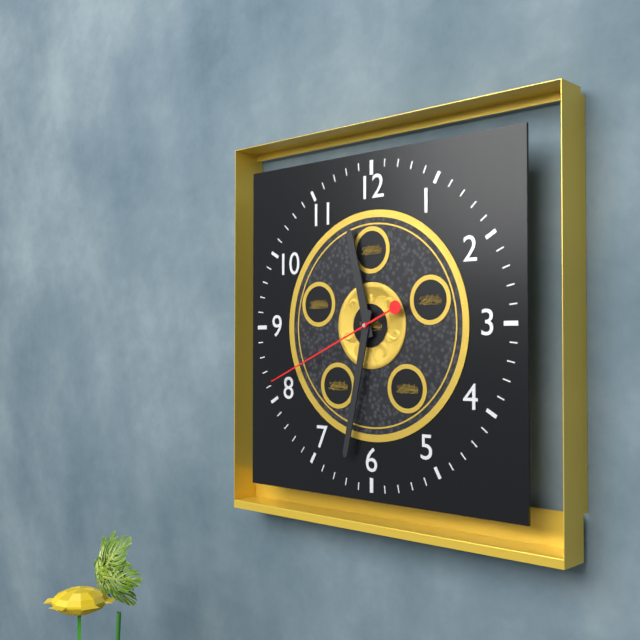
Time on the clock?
11:32:41
